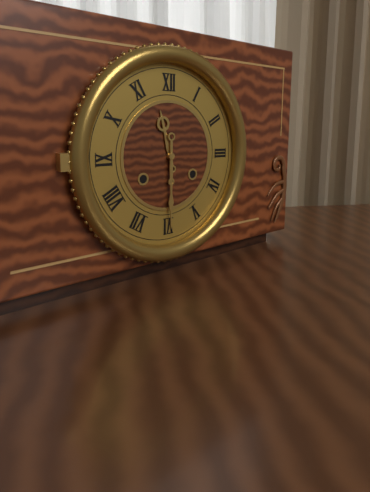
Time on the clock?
11:30
